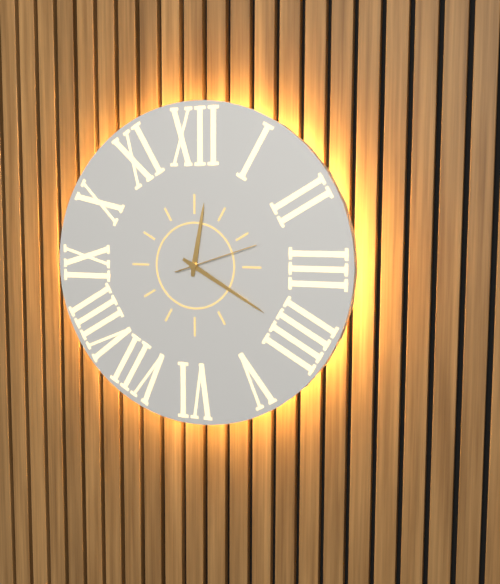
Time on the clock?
12:20:12
